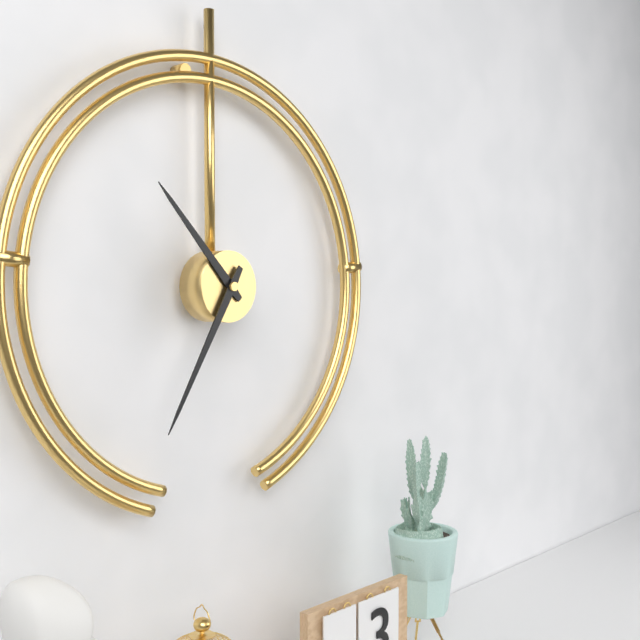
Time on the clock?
10:35
